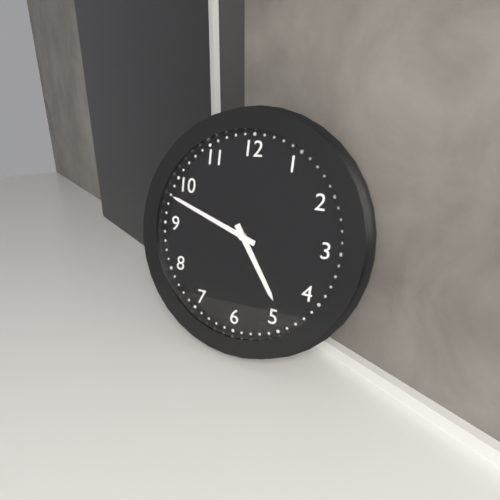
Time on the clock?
4:48
